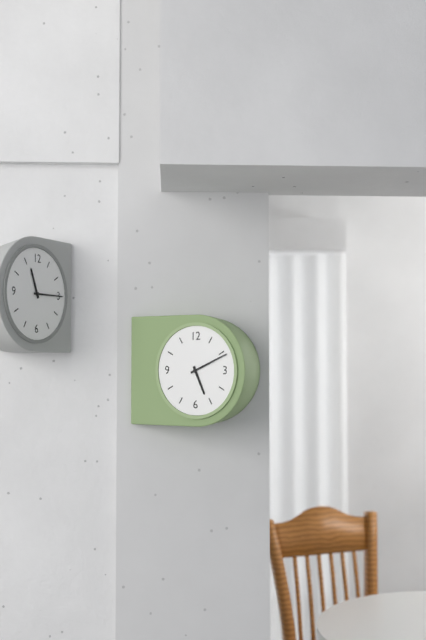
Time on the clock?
5:11
